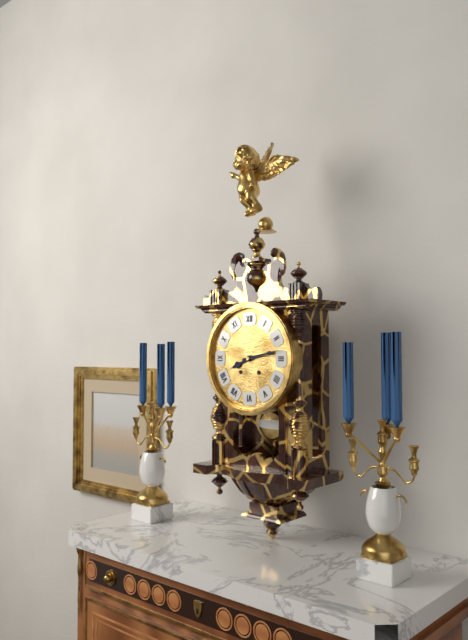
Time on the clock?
8:13
